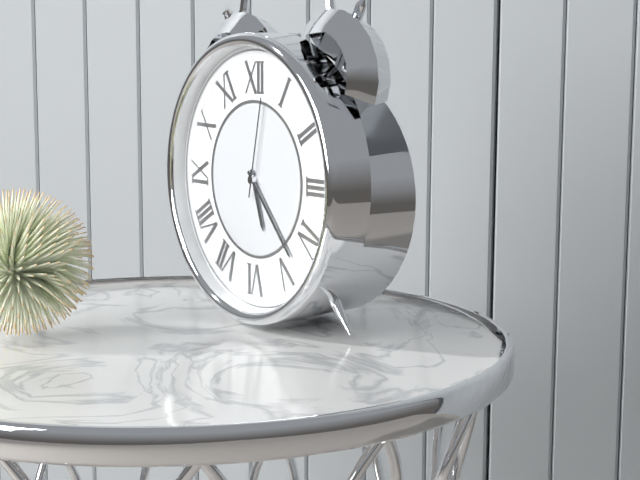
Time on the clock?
5:23:02
